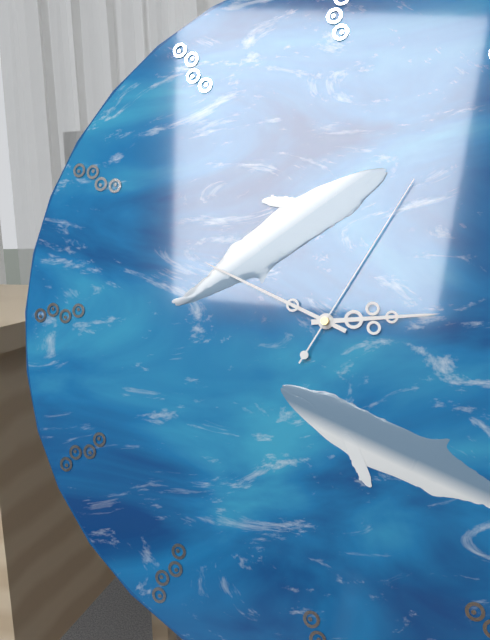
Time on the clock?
2:49:05
